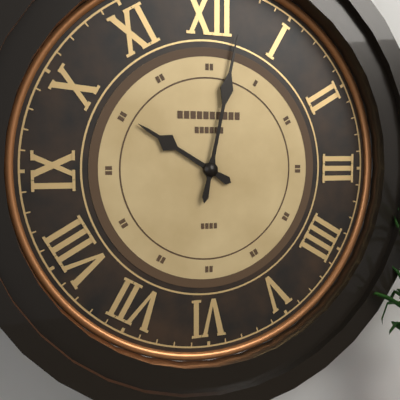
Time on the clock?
10:02
